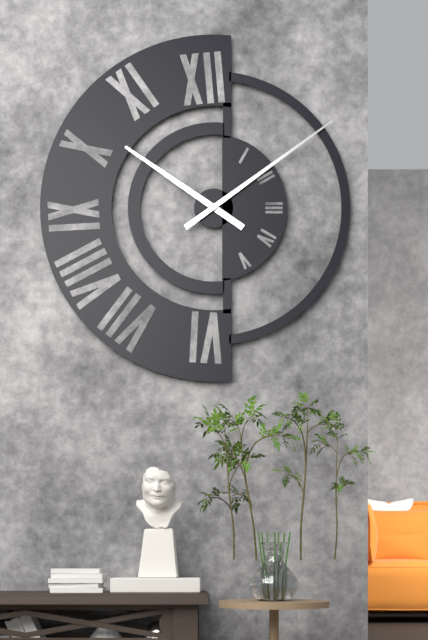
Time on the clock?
10:09
